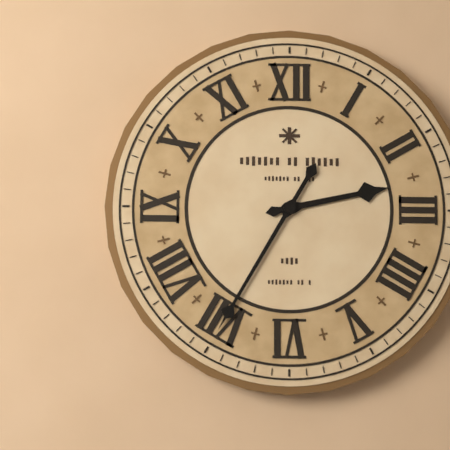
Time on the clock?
2:35
